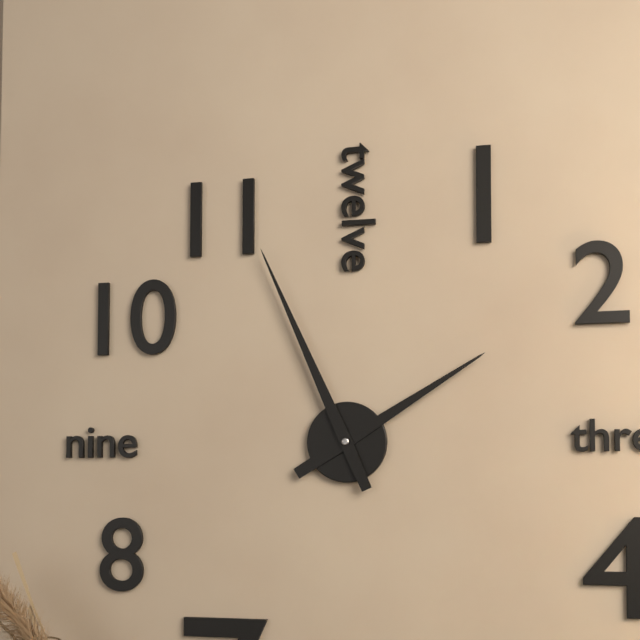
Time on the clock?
1:56
